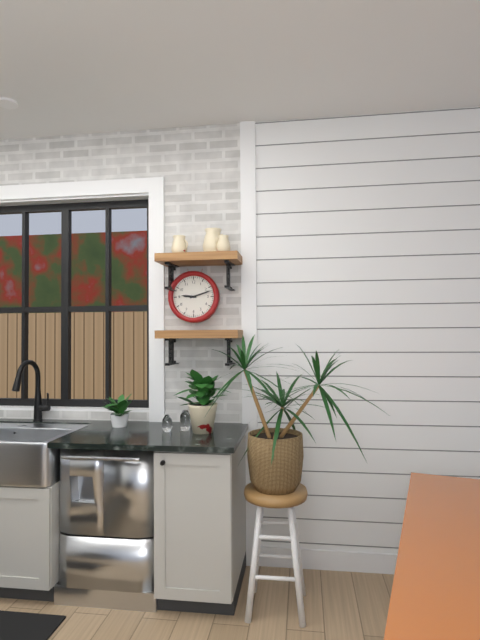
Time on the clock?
9:12
